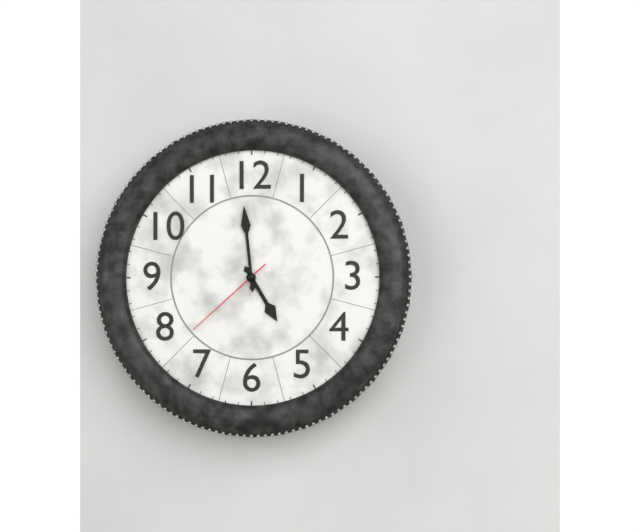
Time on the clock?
4:59:38
